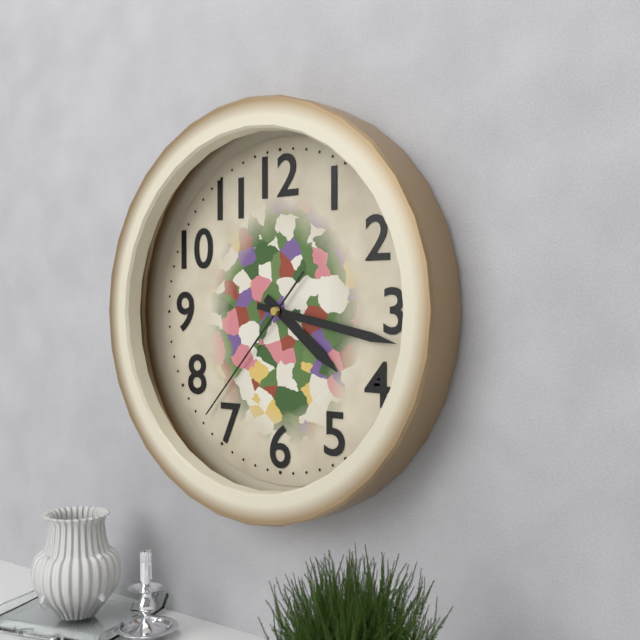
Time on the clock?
4:17:37
